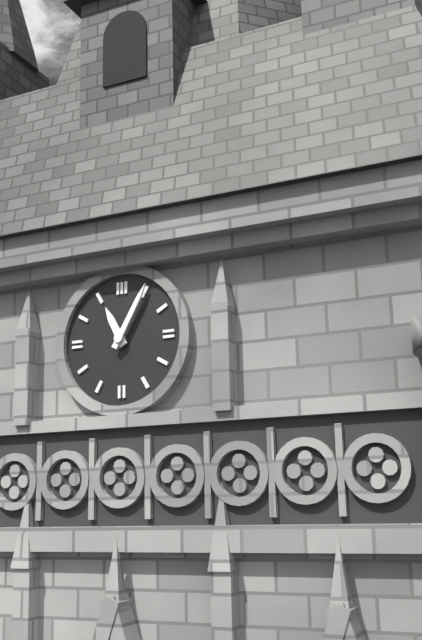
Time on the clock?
11:05
